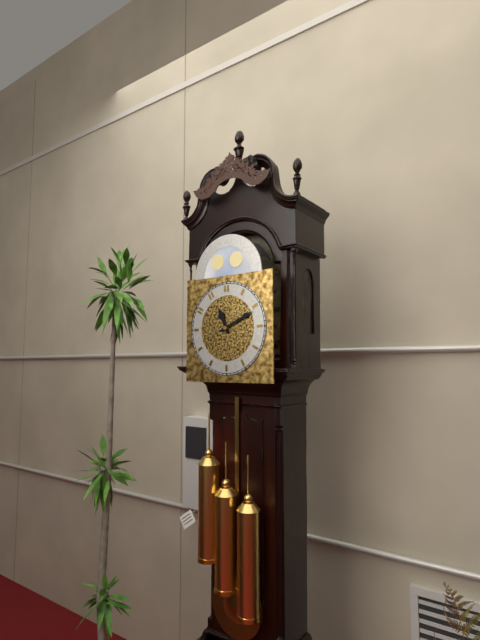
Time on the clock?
11:11
